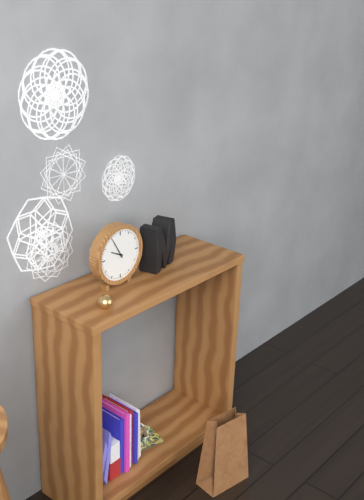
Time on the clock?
9:55
